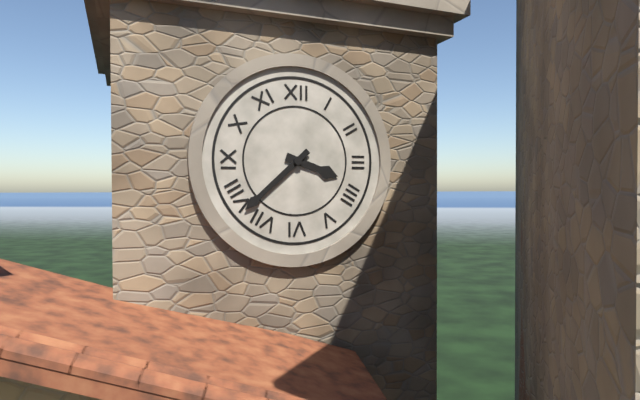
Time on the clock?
3:38
